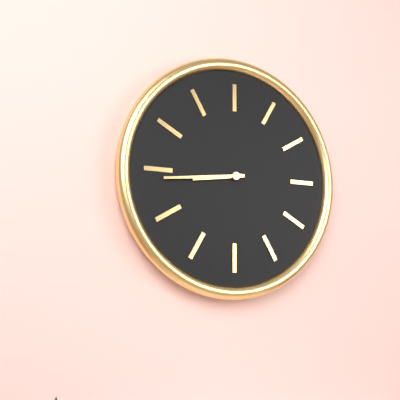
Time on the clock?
8:44
